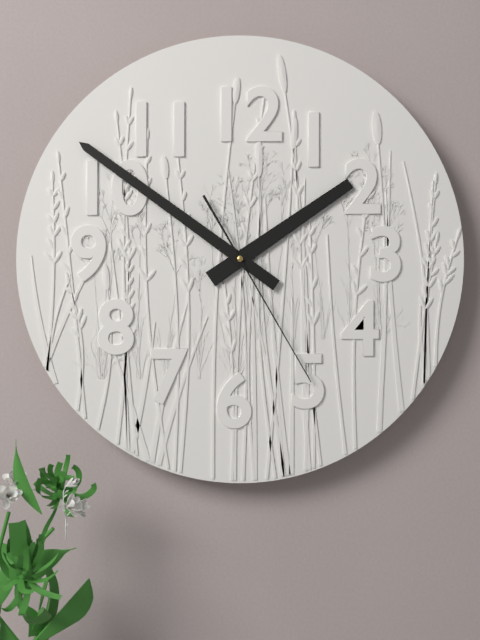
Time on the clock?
1:51:25
